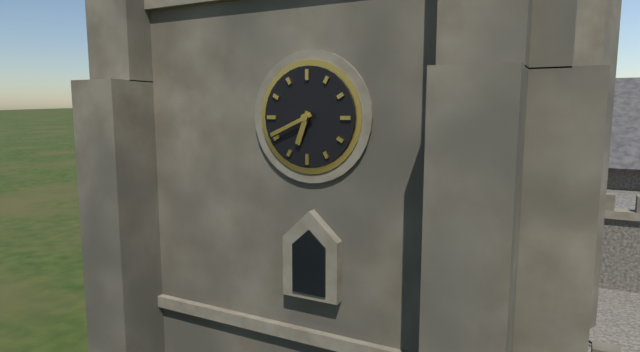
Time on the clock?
6:41
